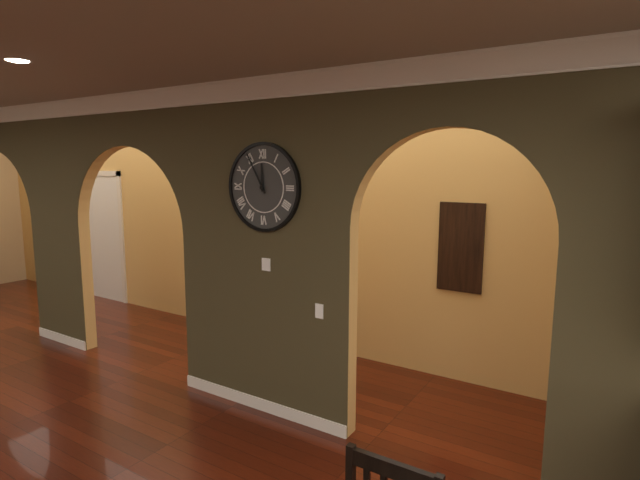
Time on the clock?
11:55
